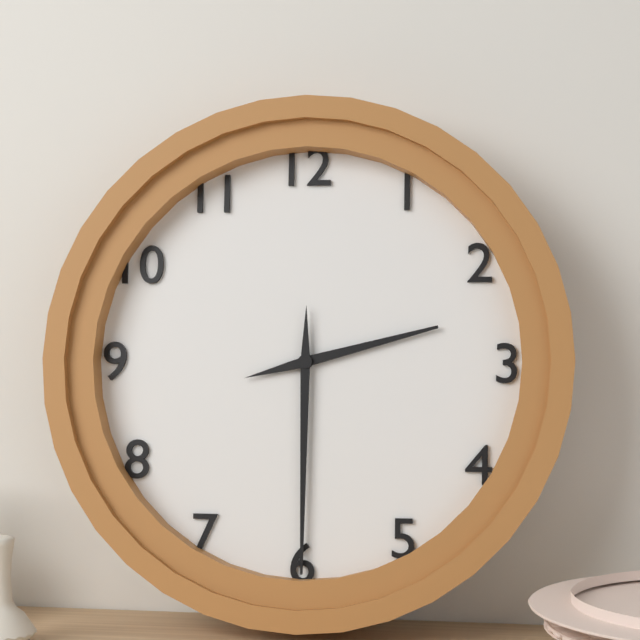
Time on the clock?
2:30
